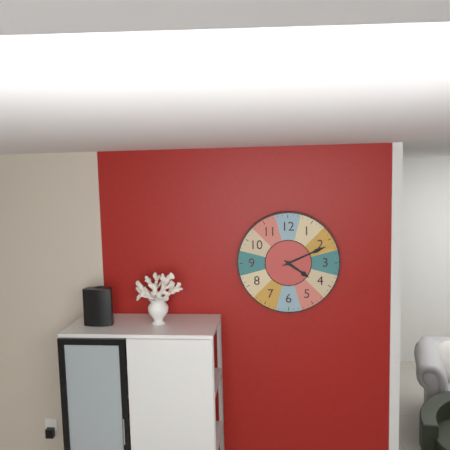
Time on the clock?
4:11
